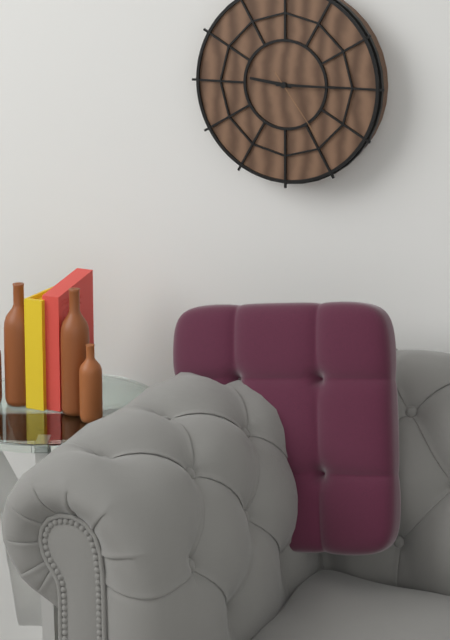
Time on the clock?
9:15:24
